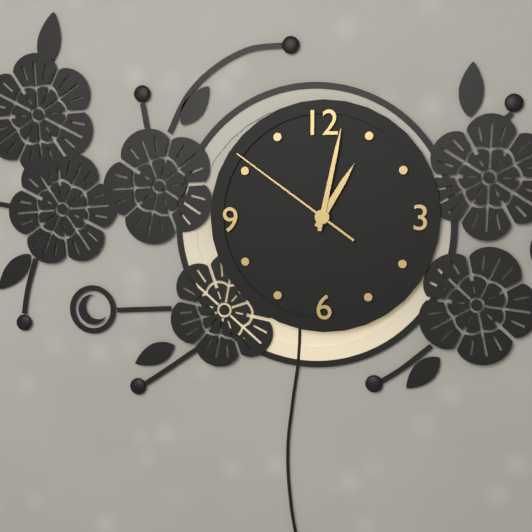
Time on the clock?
1:02:51
